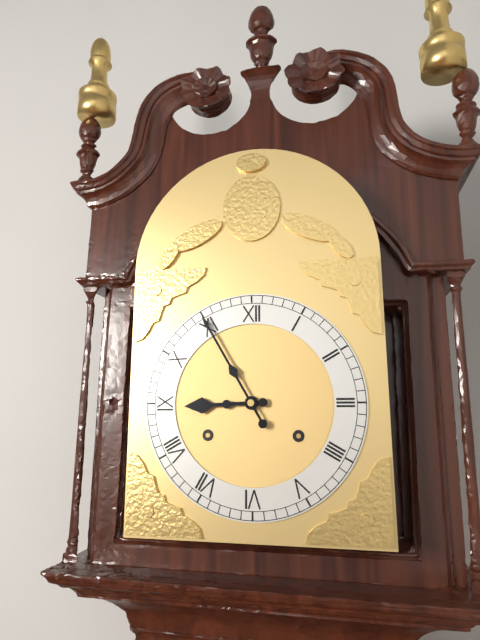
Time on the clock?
8:55
